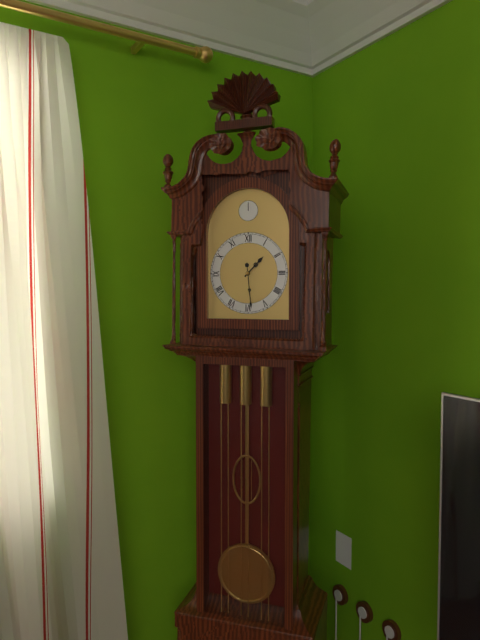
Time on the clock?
1:29
